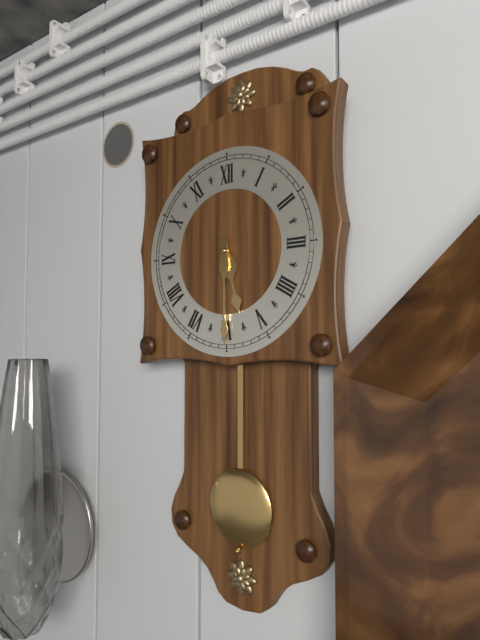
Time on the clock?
5:30
